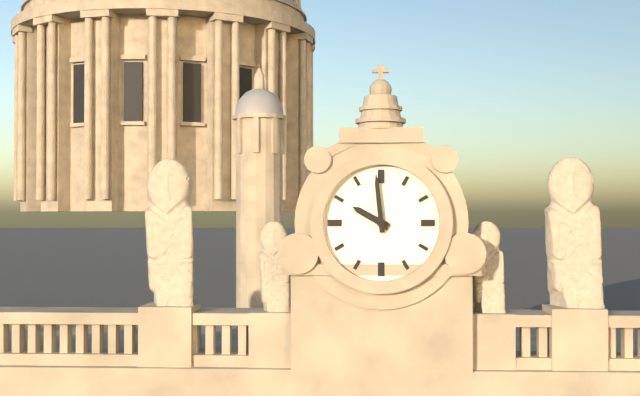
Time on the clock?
9:59
